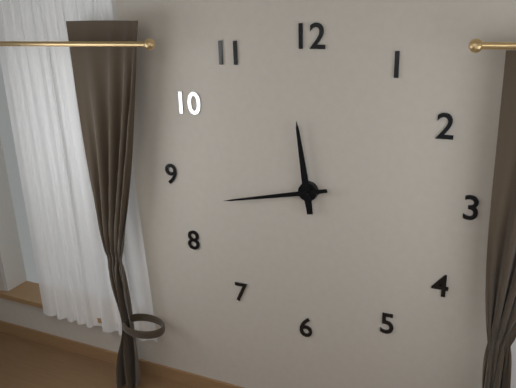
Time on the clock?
11:43
